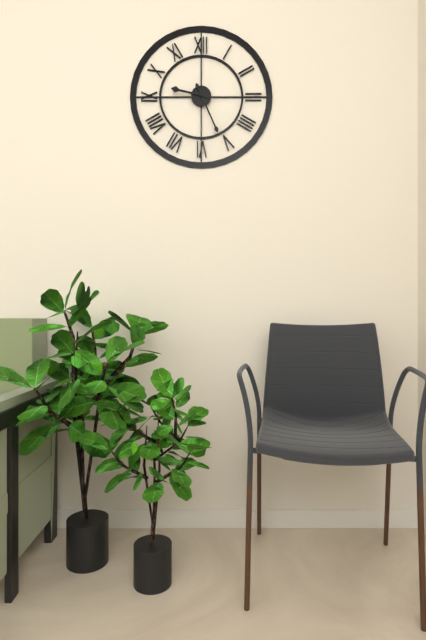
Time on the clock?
9:26
